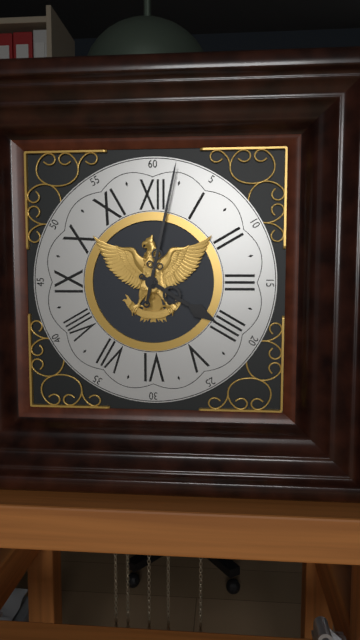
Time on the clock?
4:02
